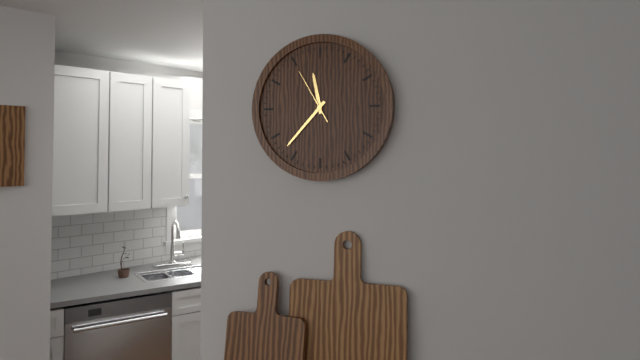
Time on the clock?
11:37:55
